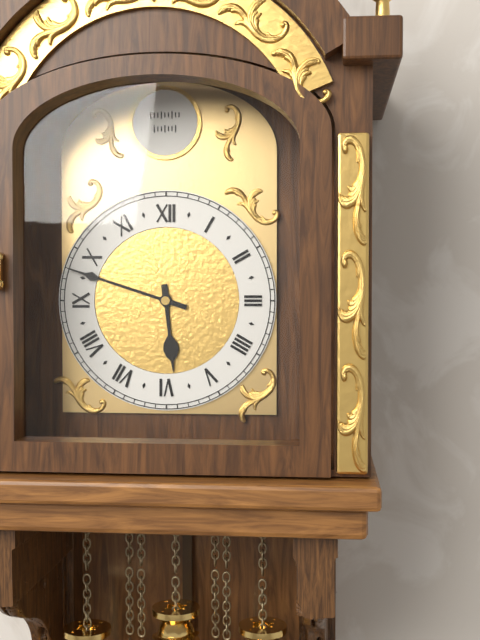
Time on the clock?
5:48
